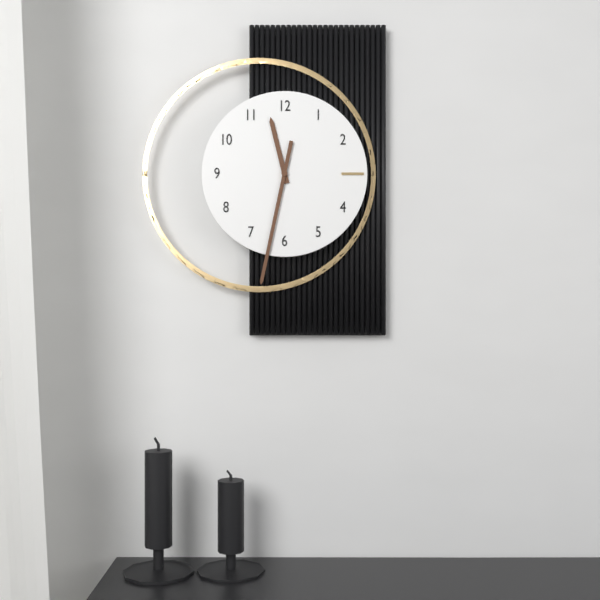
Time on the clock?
11:32
